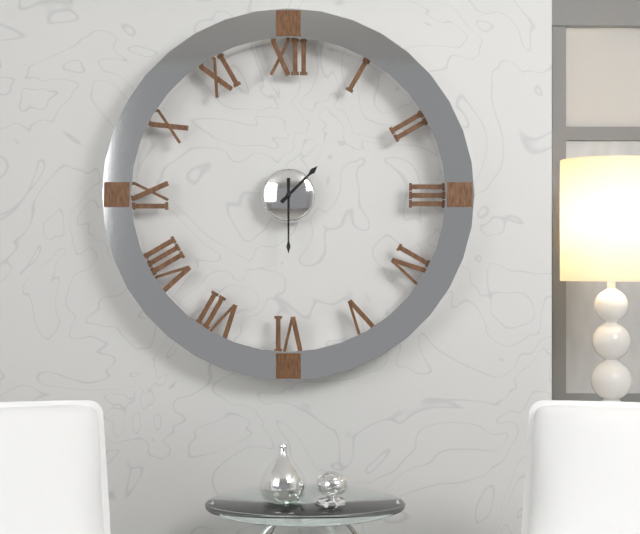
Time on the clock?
1:30
